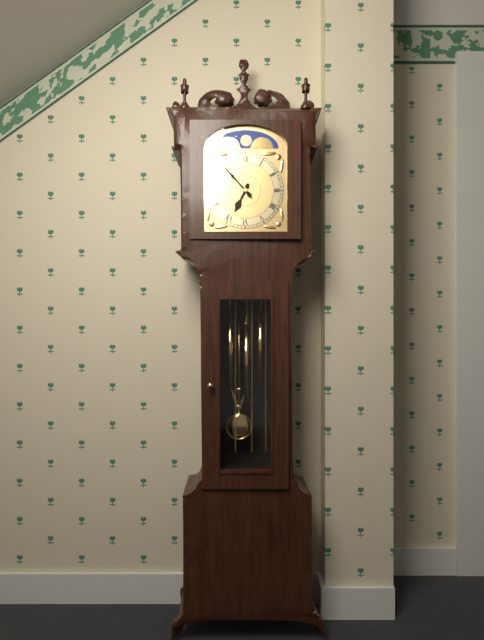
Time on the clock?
6:53
